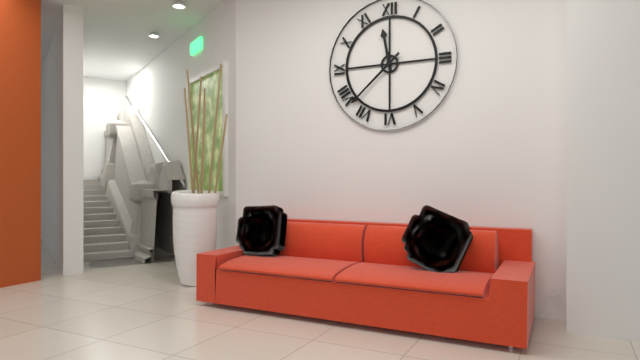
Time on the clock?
11:38
